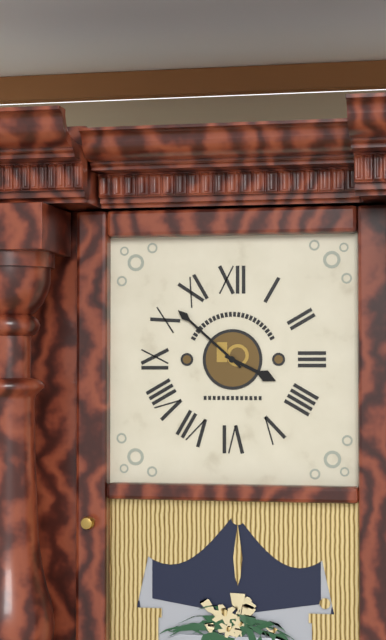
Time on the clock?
3:52
